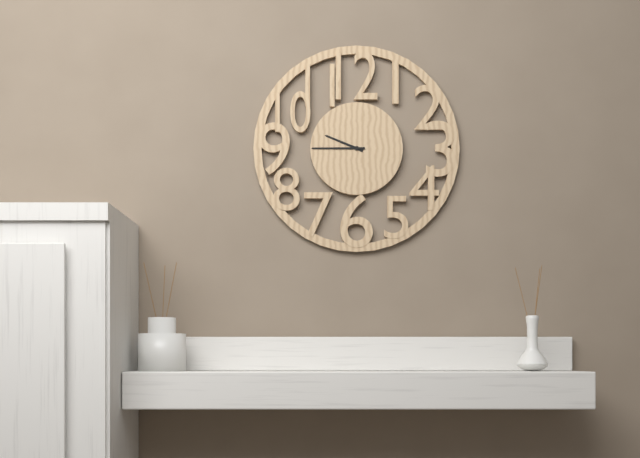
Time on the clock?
9:45
